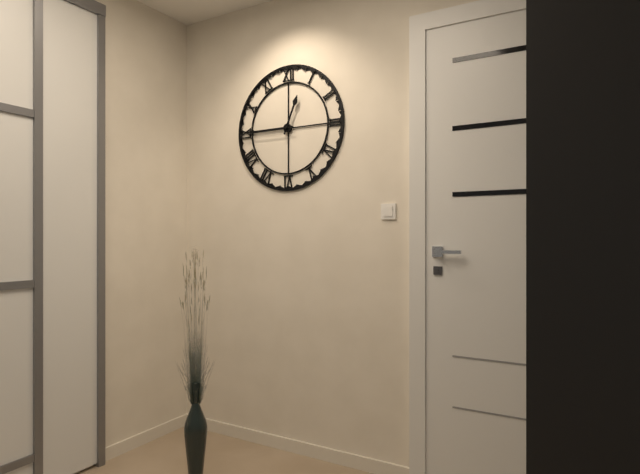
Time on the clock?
12:45
